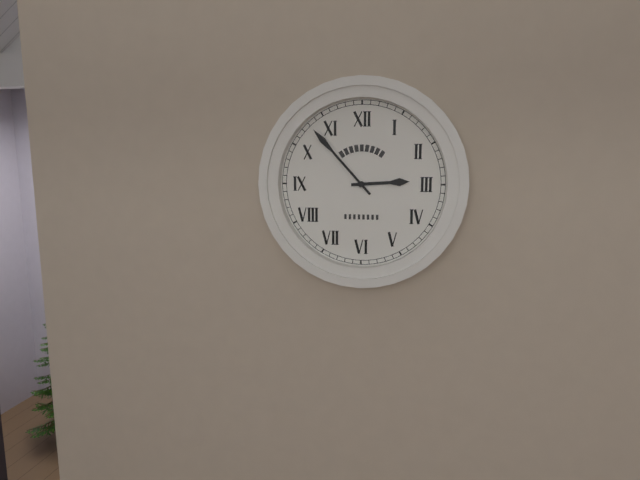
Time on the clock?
2:53
